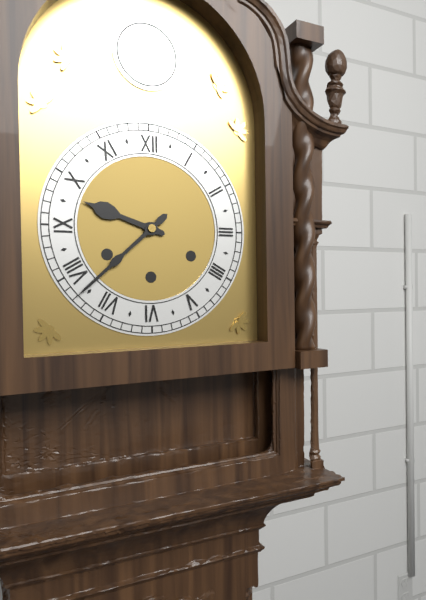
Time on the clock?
9:38
